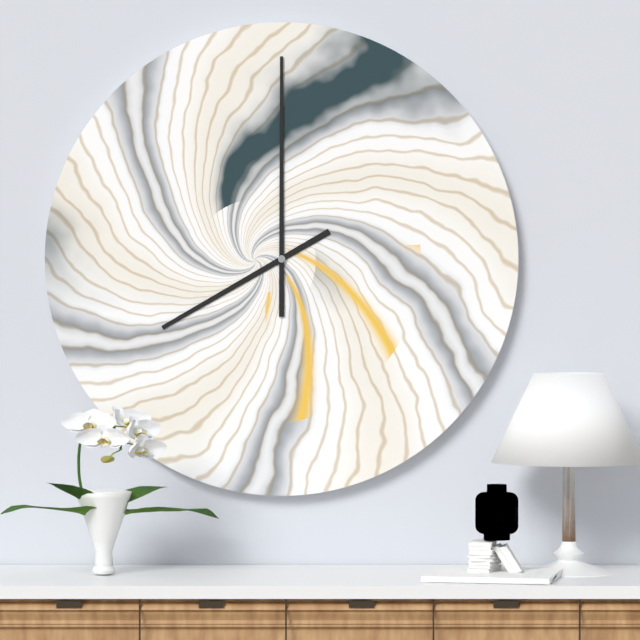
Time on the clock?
8:00
